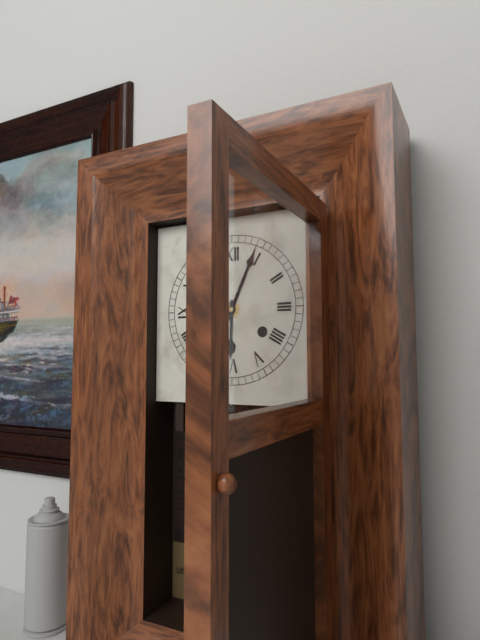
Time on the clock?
6:04
